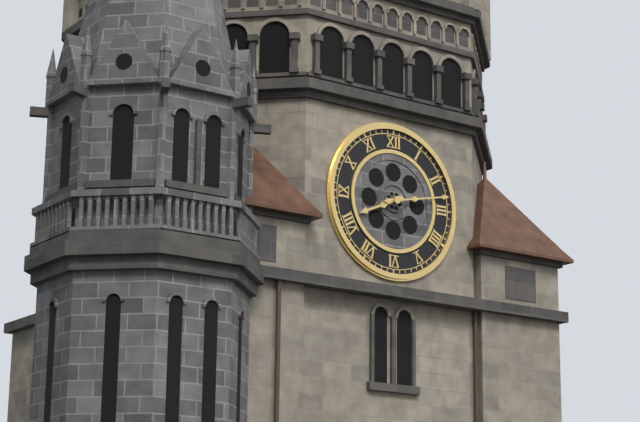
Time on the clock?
8:13
